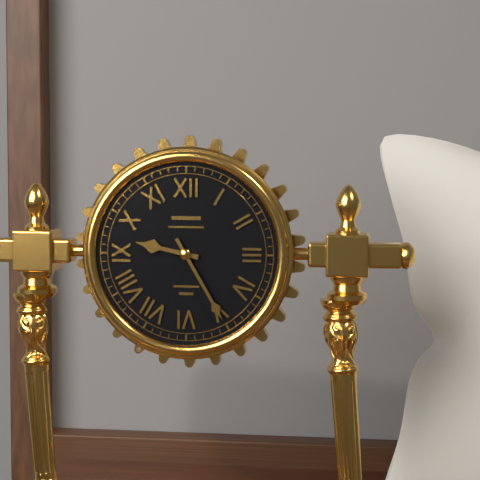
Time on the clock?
9:25
